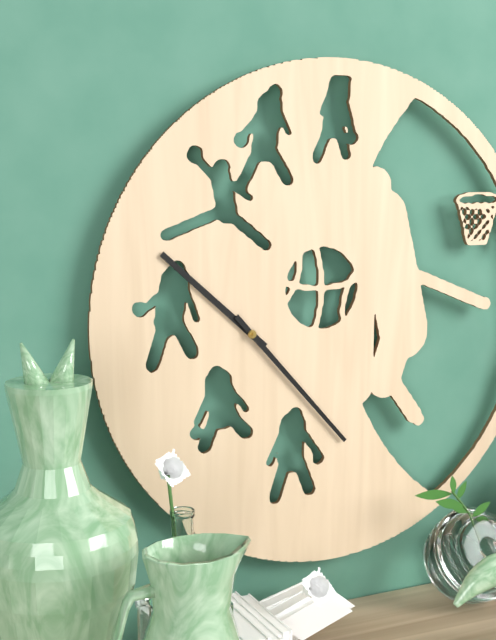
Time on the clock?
10:23
